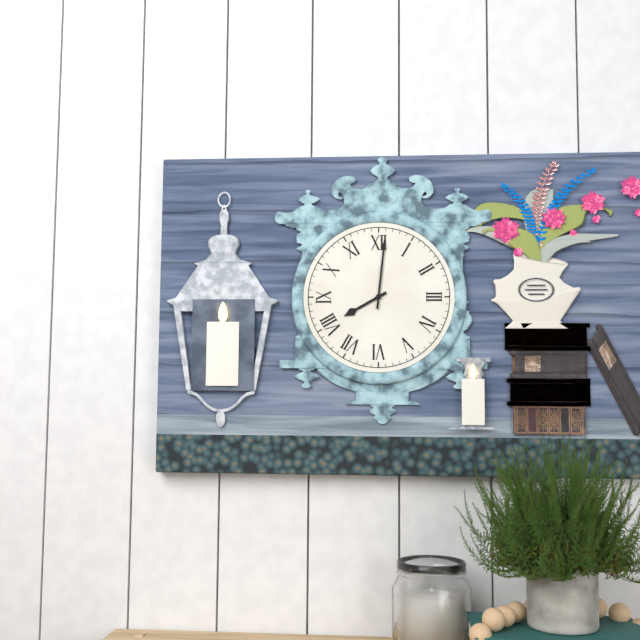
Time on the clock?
8:01
